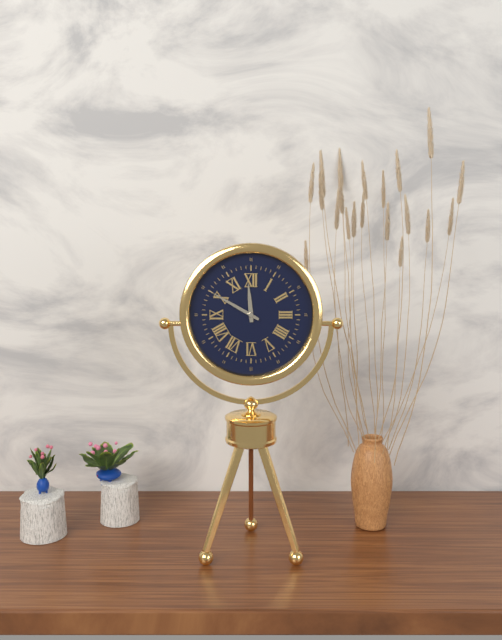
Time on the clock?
11:50
